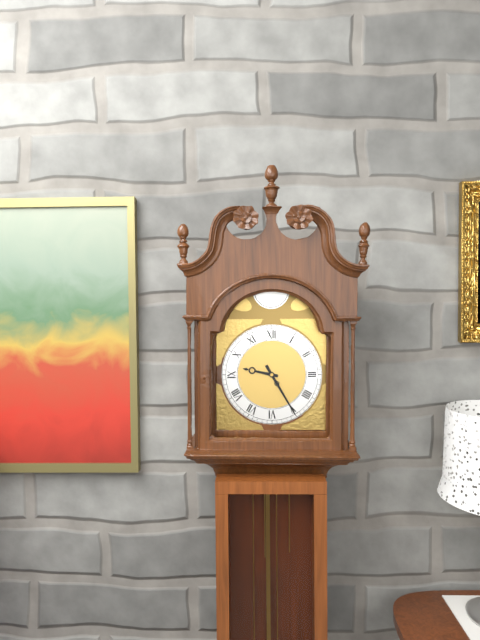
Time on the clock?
9:25
